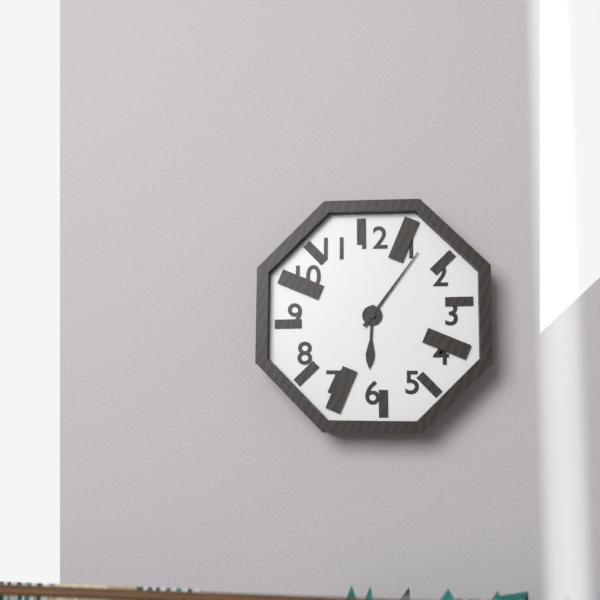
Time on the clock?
6:06
